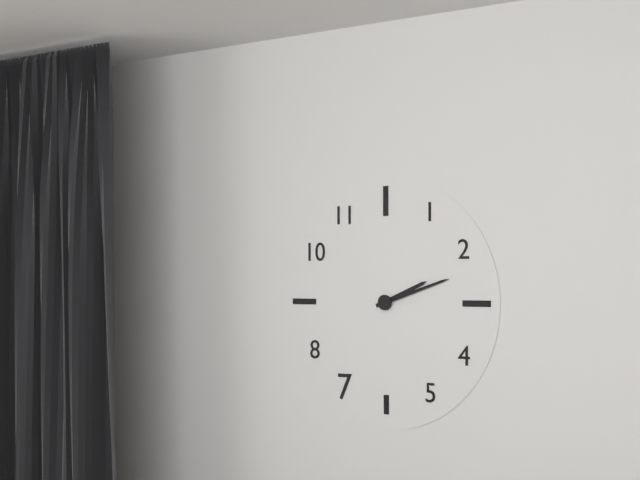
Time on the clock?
2:12
